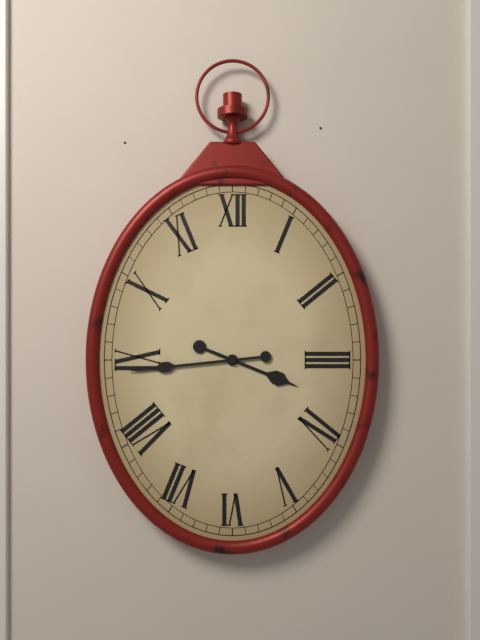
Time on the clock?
3:44
